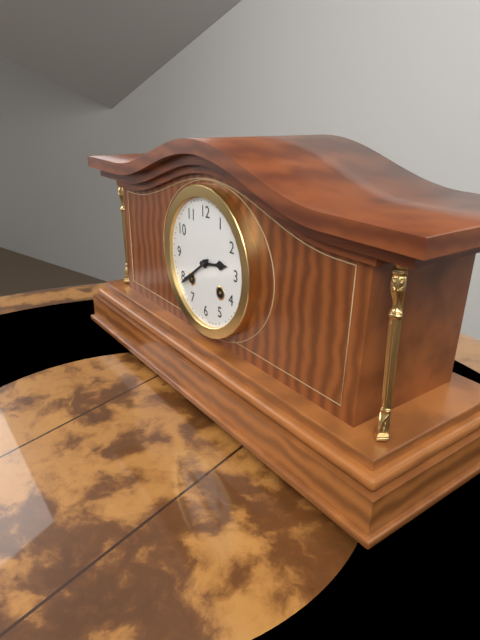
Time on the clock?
2:39
